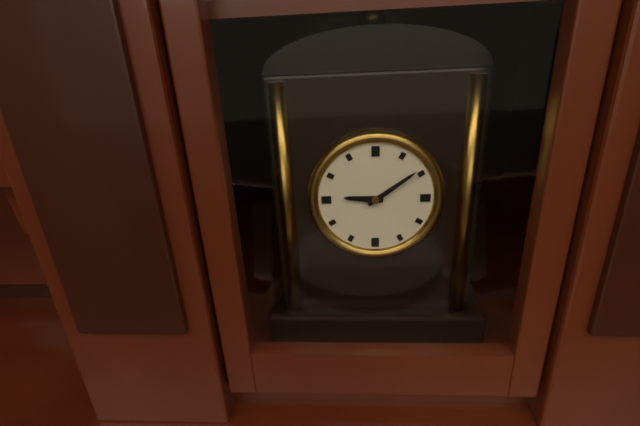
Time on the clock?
9:09
